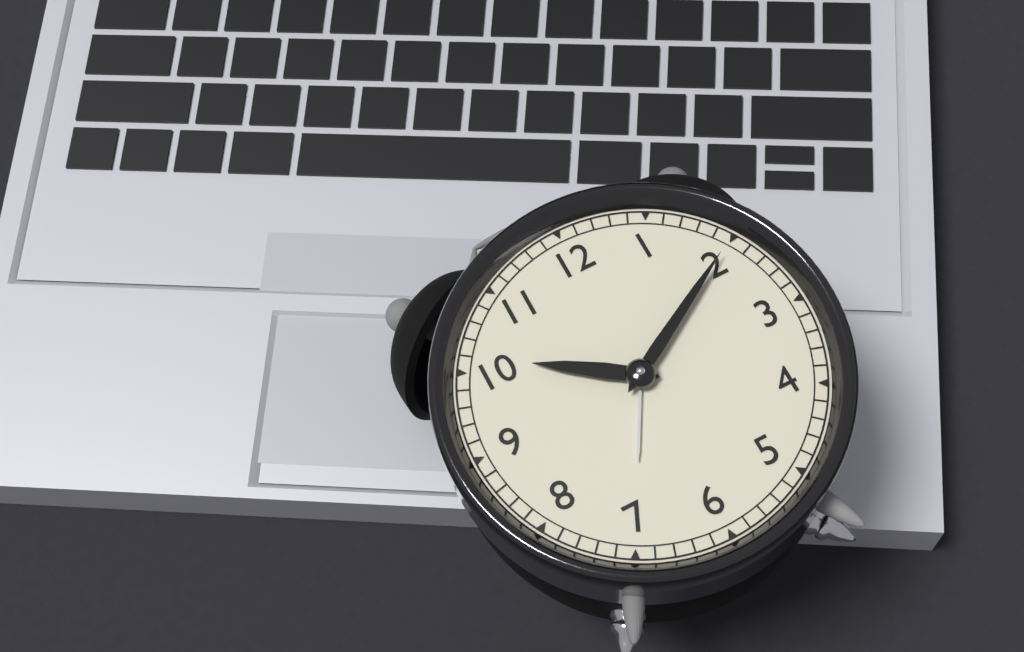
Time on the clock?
10:10
